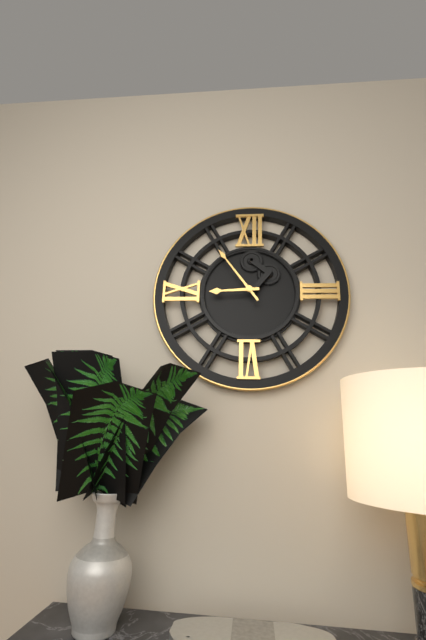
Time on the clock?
8:54
